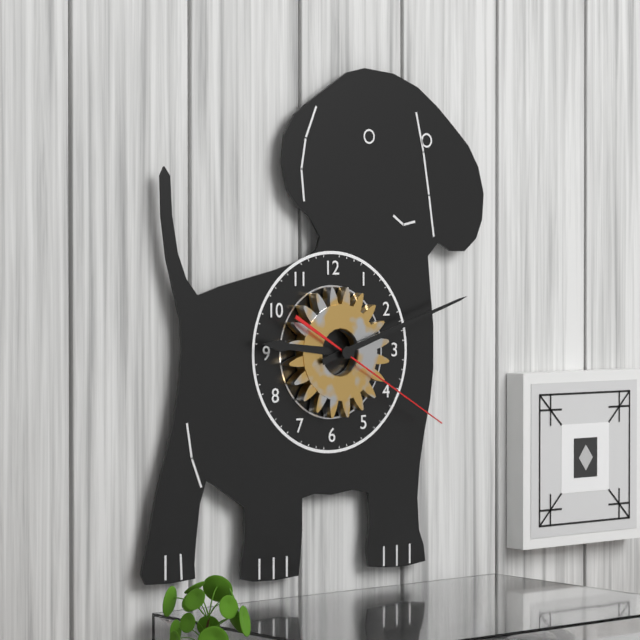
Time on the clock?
9:12:20
